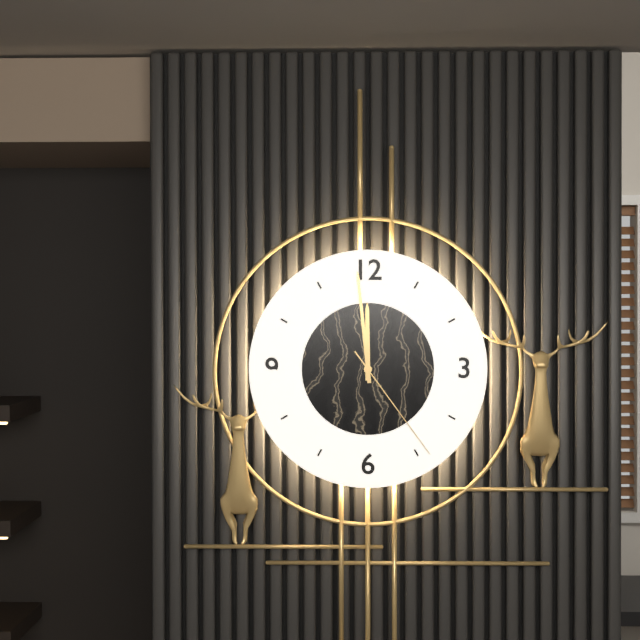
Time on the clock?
11:59:24
